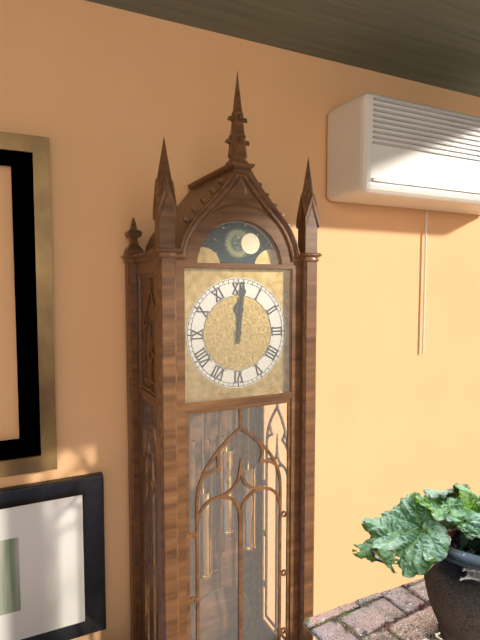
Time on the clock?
12:01
